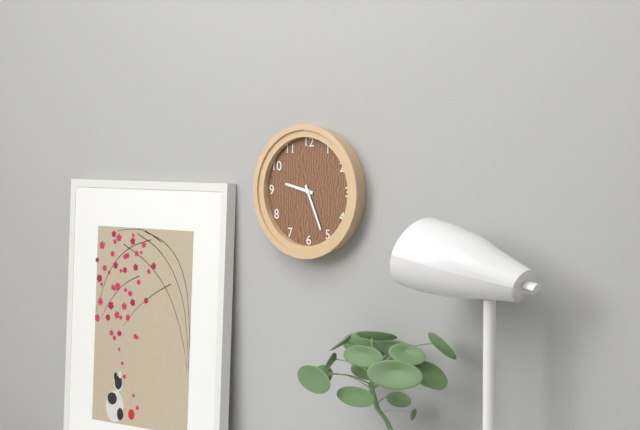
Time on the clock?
9:26
